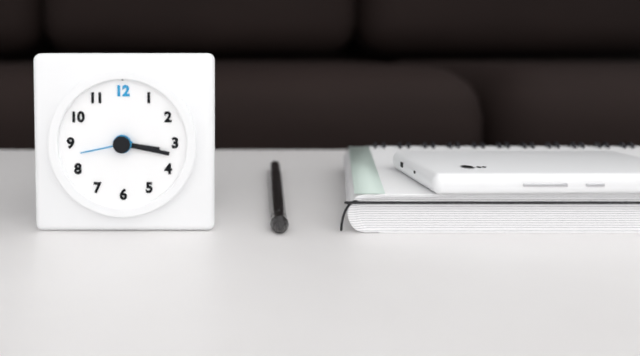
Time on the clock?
3:17:43
